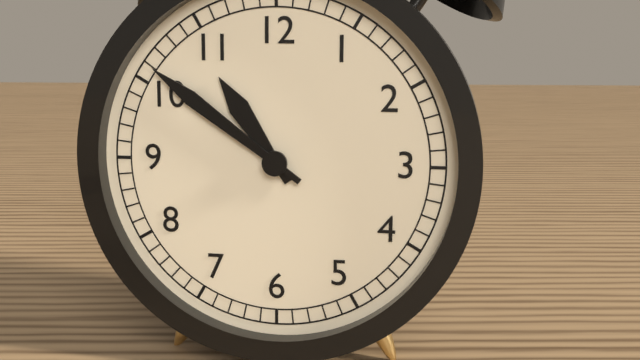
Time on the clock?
10:51
